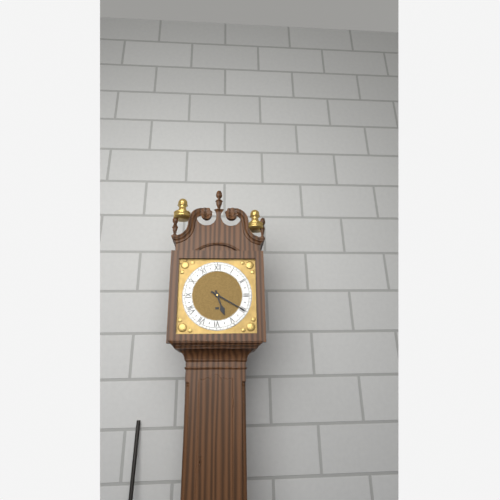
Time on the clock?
5:20
